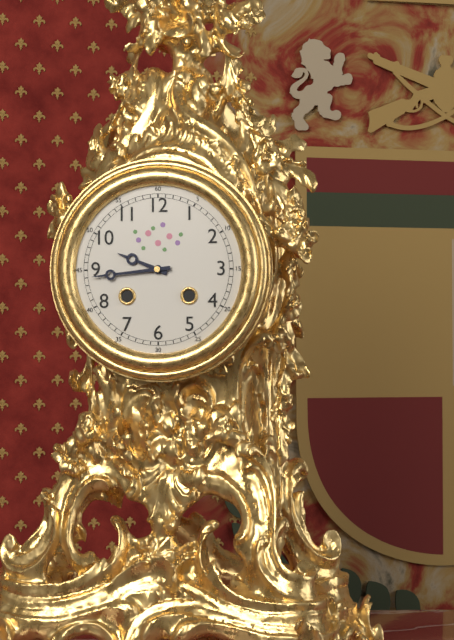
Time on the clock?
9:44
